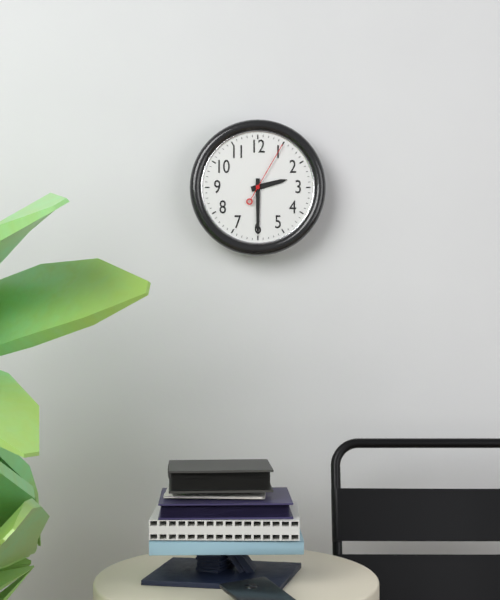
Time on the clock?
2:30:05
